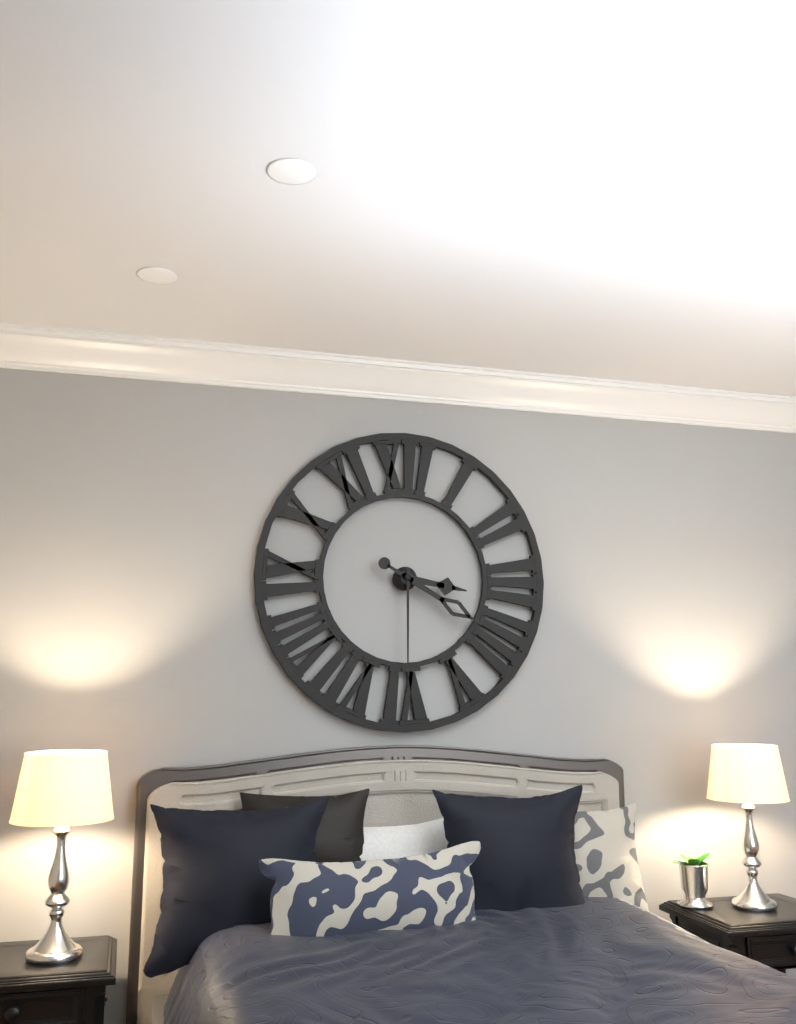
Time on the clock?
3:20:30
